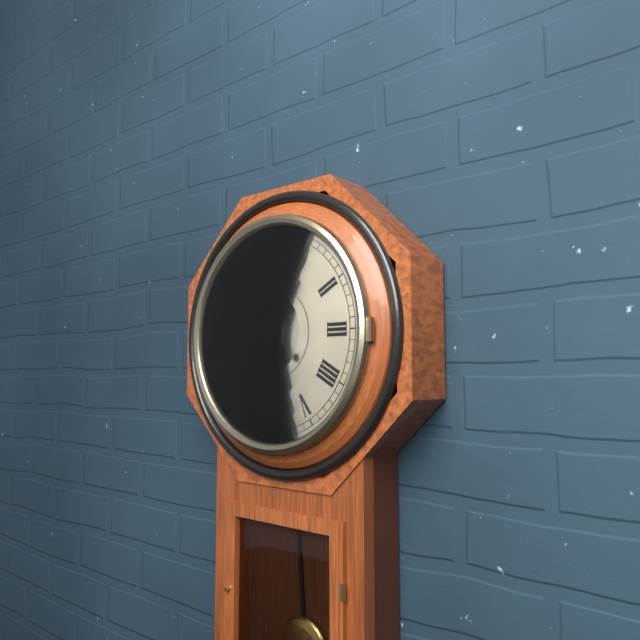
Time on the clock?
8:51
